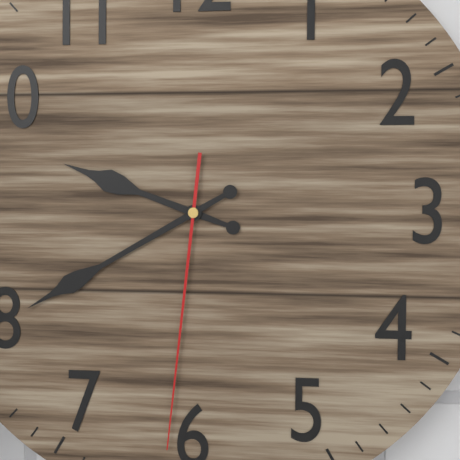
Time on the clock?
9:40:31
